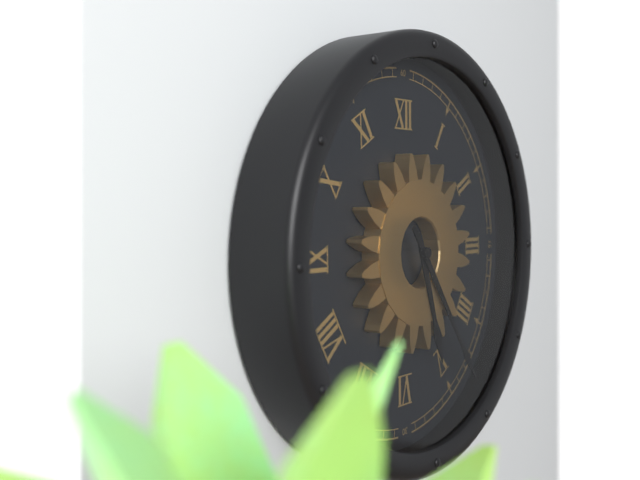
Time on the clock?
5:24
